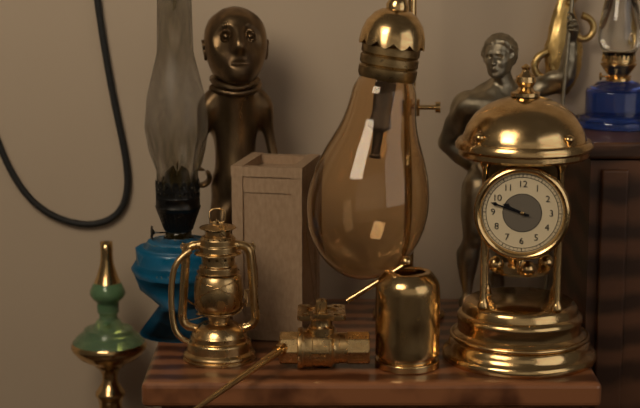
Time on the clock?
9:48
